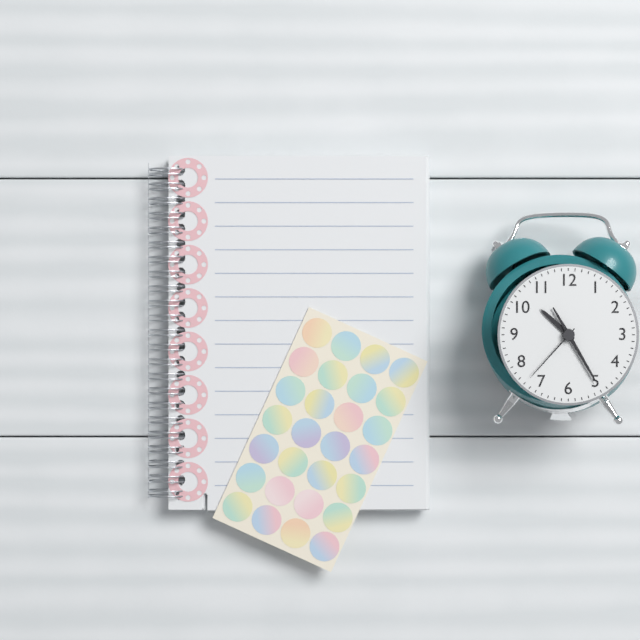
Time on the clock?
10:25:37
